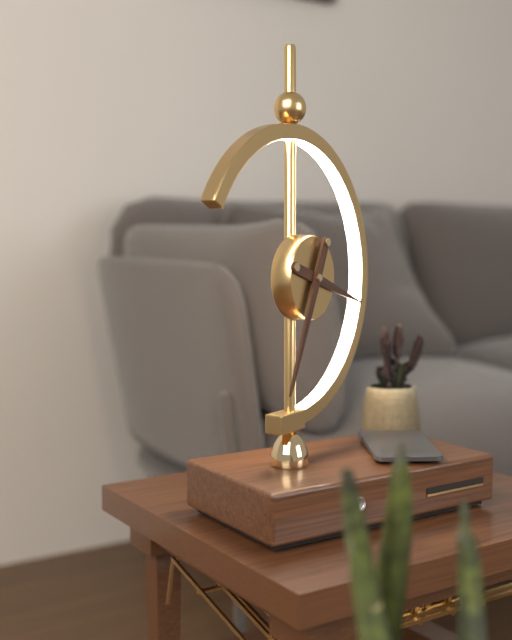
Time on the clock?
3:34
